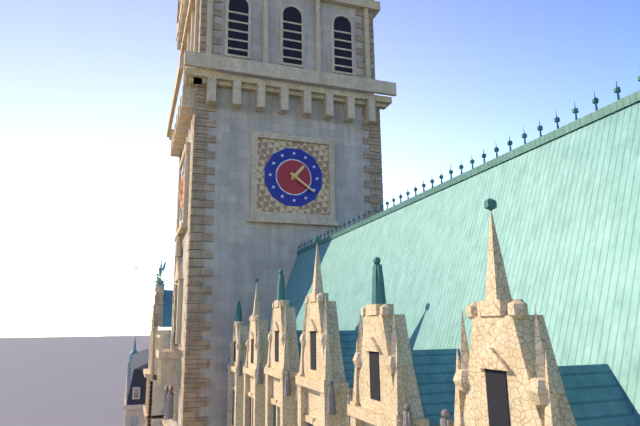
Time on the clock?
1:21
